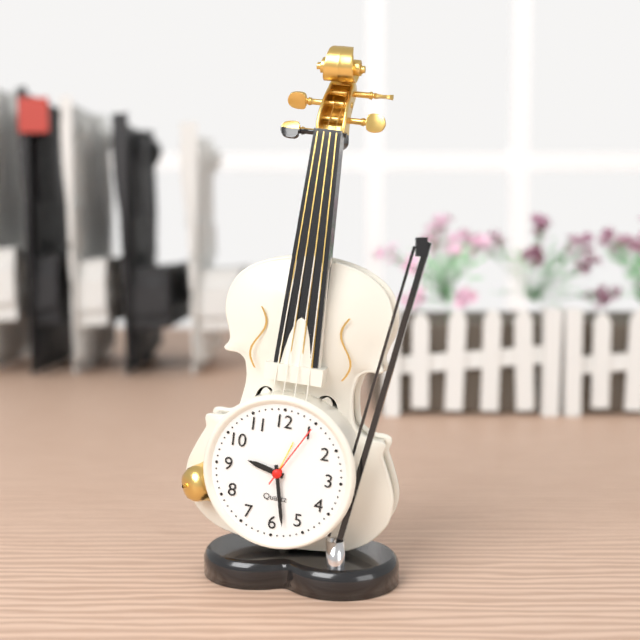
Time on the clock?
9:28:05
